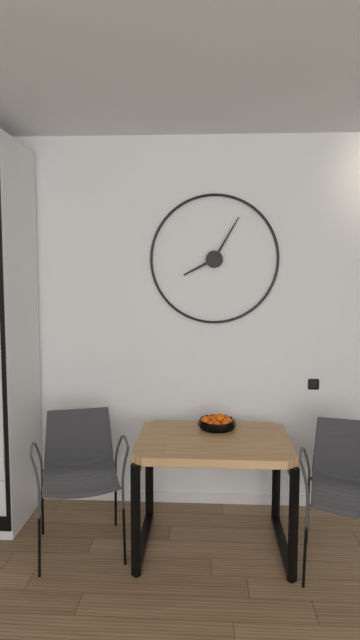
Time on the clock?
8:05
